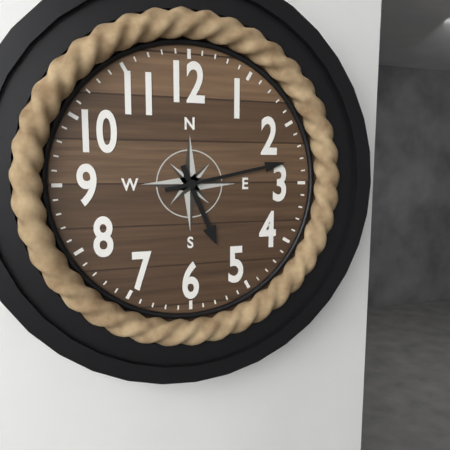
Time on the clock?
5:13
